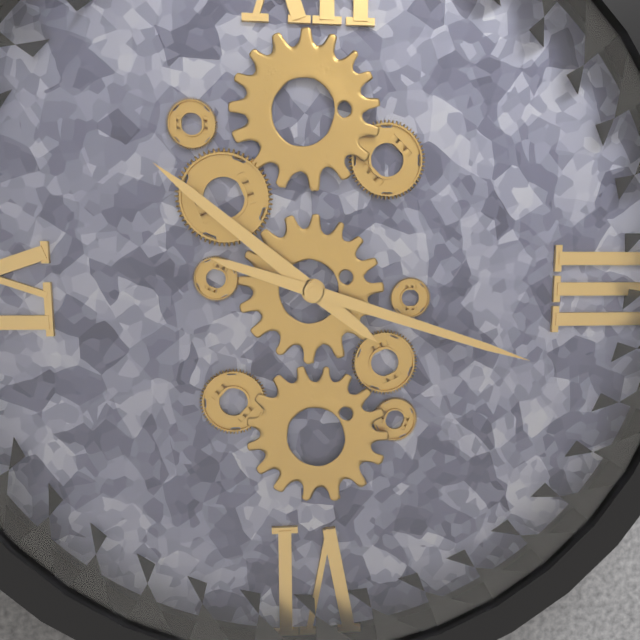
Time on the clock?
10:18
